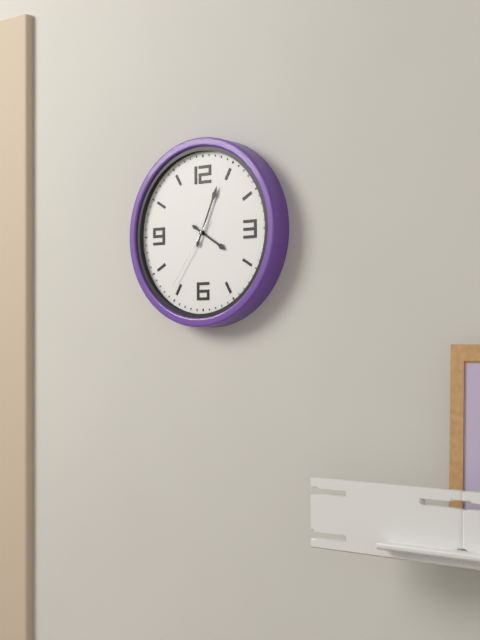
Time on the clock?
4:04:36
